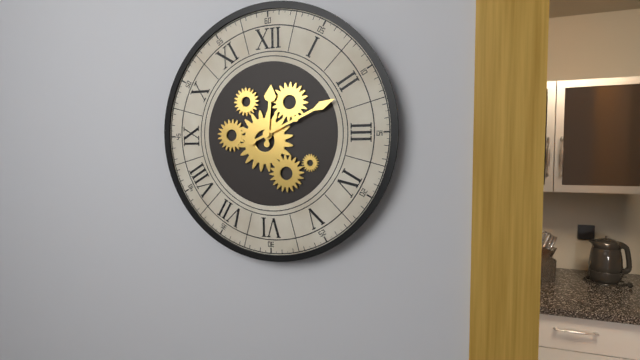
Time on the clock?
12:11
